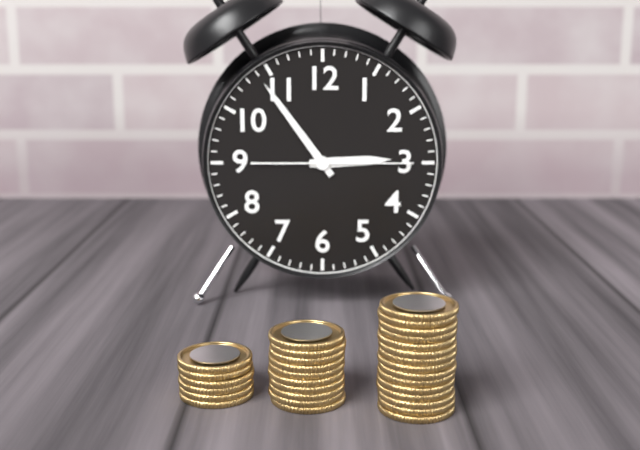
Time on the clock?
2:54:15
